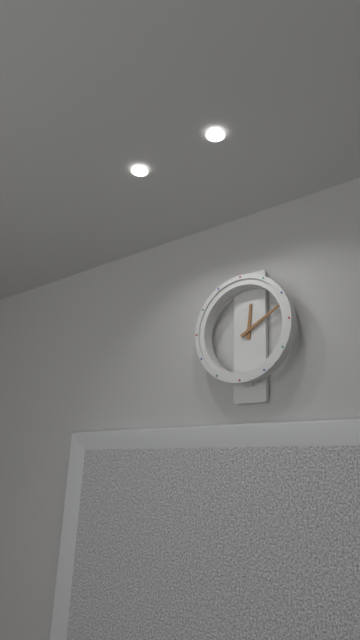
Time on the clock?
12:10
